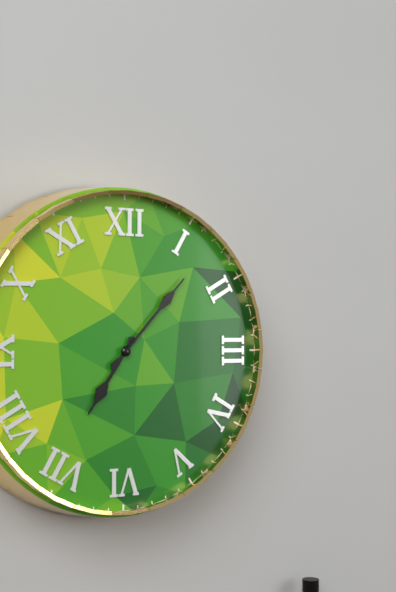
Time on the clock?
7:07
